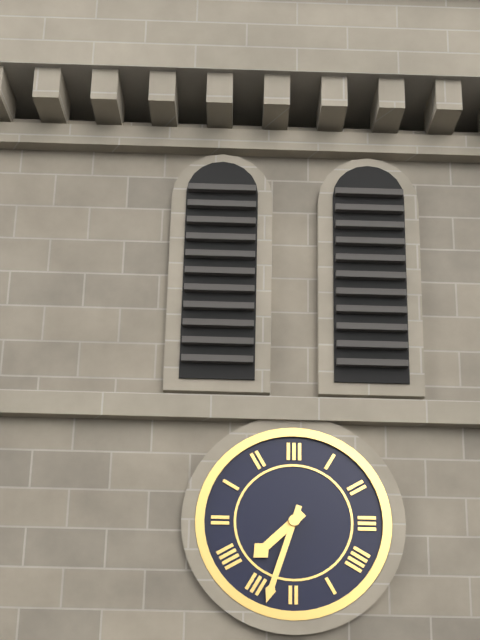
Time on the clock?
7:33
